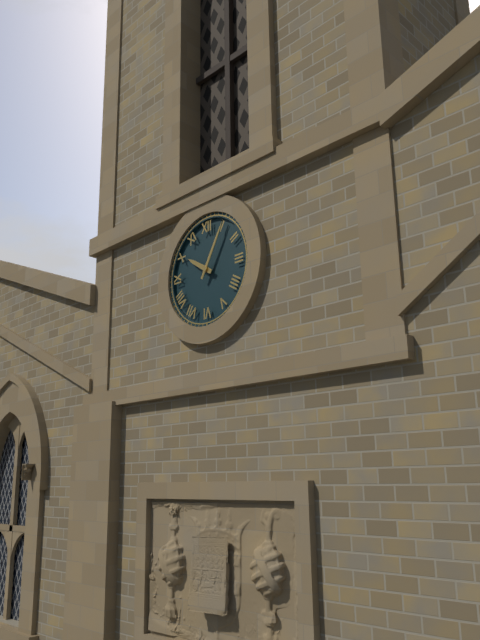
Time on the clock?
10:05
